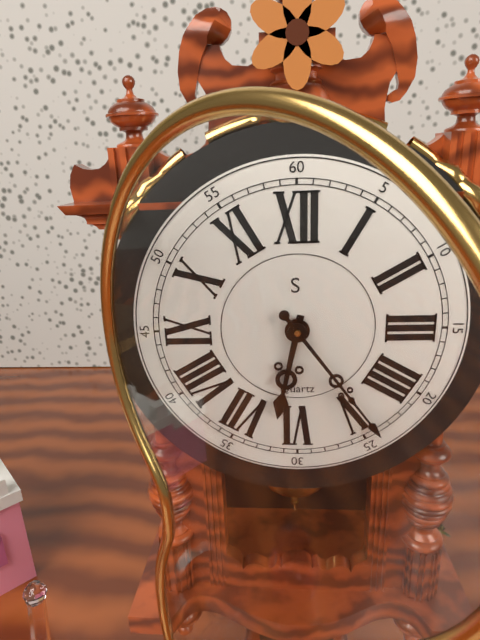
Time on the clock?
6:24
